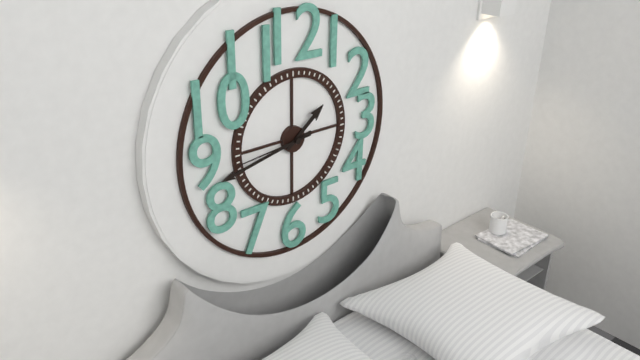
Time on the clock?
1:43:44
